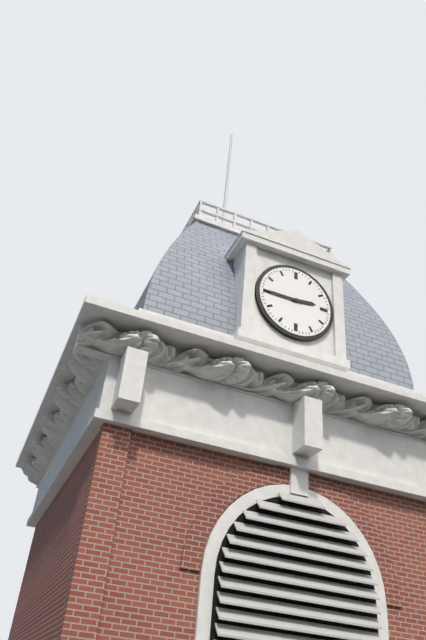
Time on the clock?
2:45
